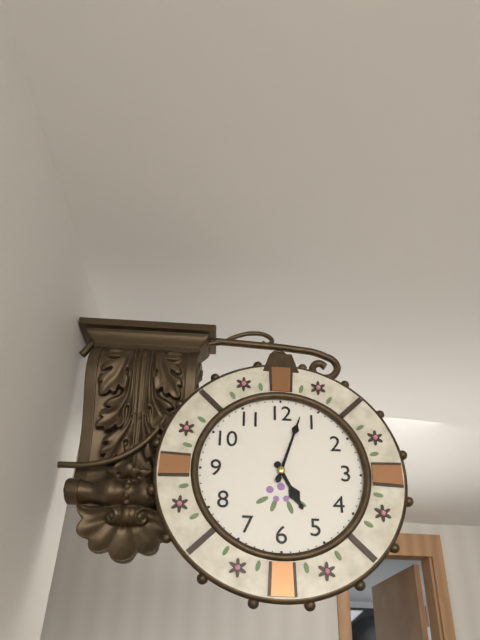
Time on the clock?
5:03
